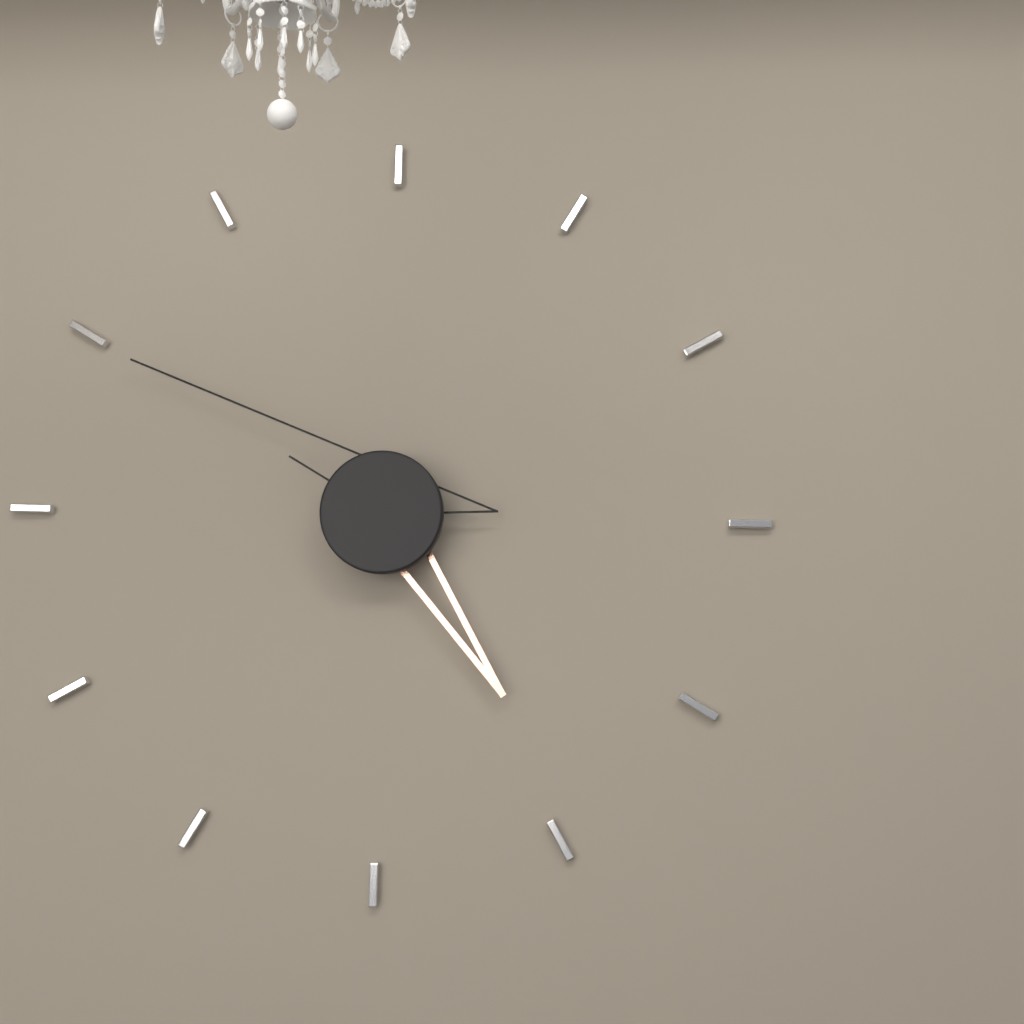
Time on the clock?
4:50
